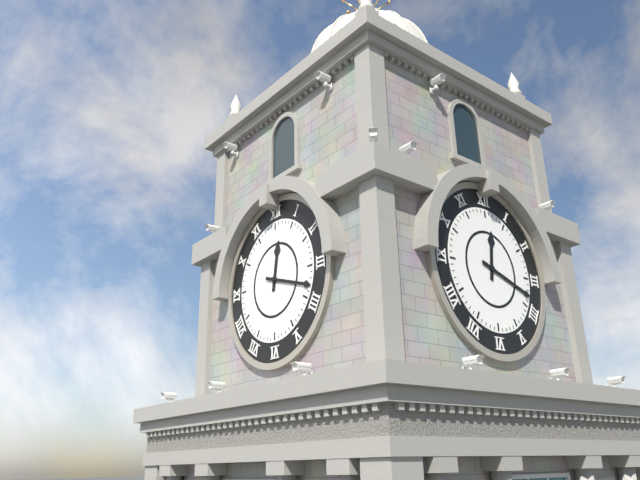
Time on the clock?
12:18
